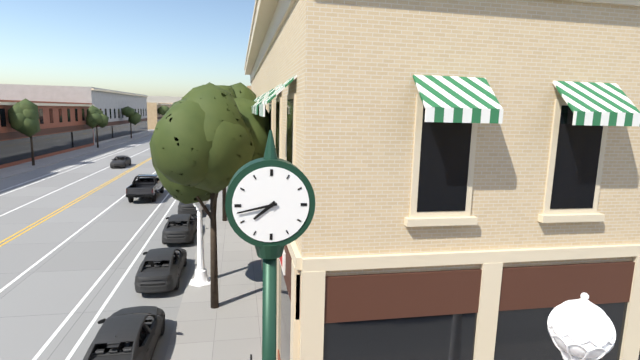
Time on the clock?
7:43
